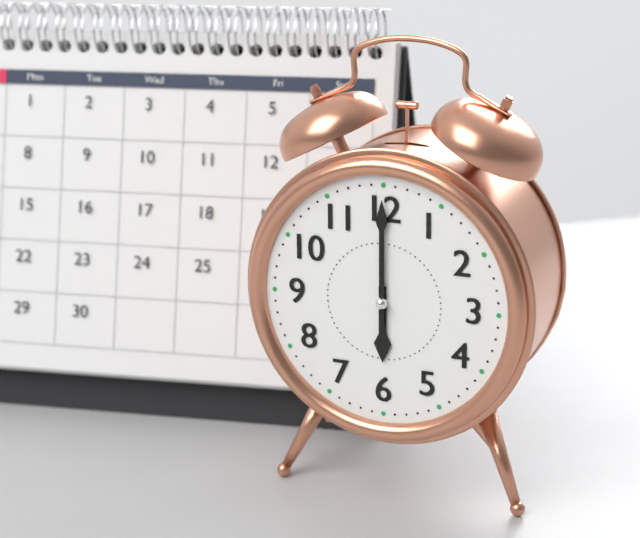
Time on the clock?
6:00
